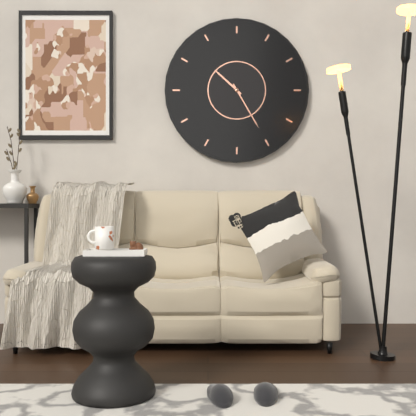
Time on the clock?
10:25
